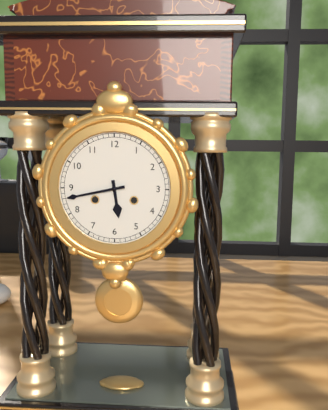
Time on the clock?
5:43
